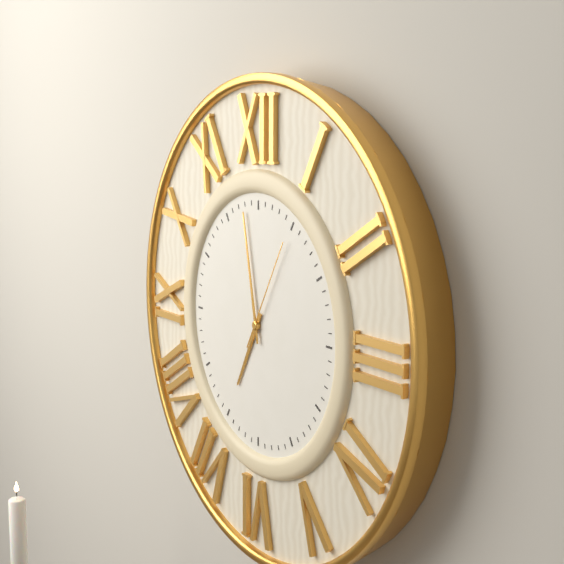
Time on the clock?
6:58:05
